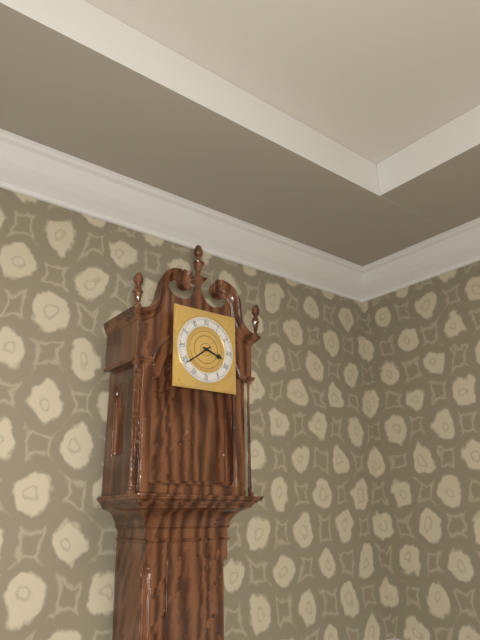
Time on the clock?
3:39
